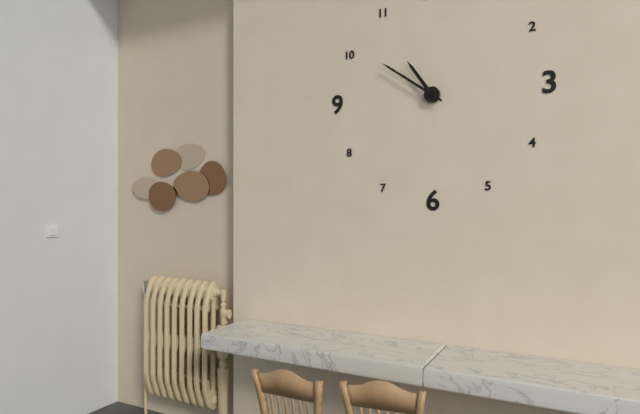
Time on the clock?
10:51
